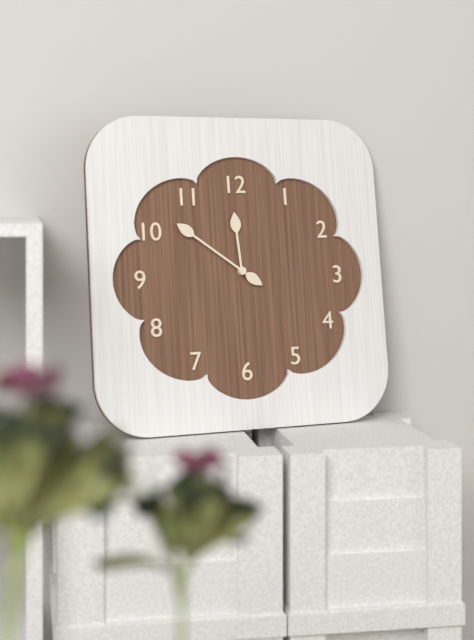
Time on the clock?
11:51
